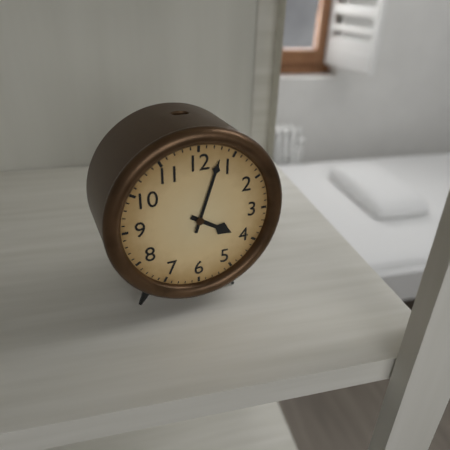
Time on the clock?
4:03
